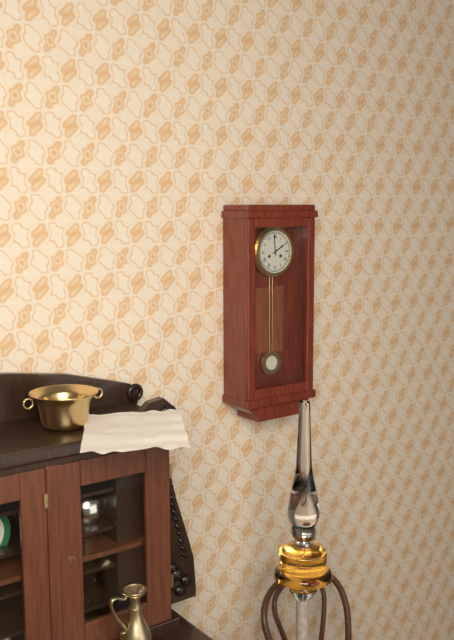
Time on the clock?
1:59
